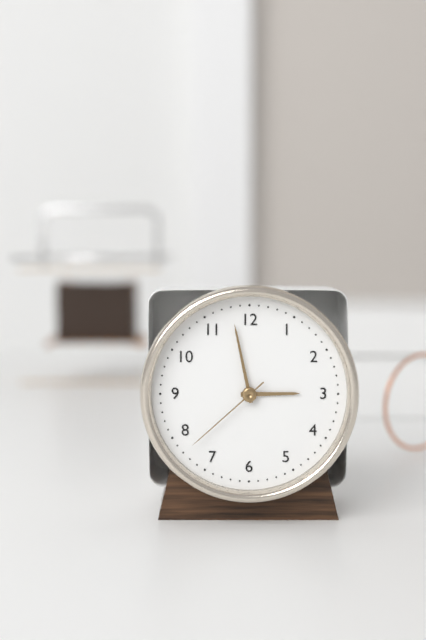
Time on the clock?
2:58:38
